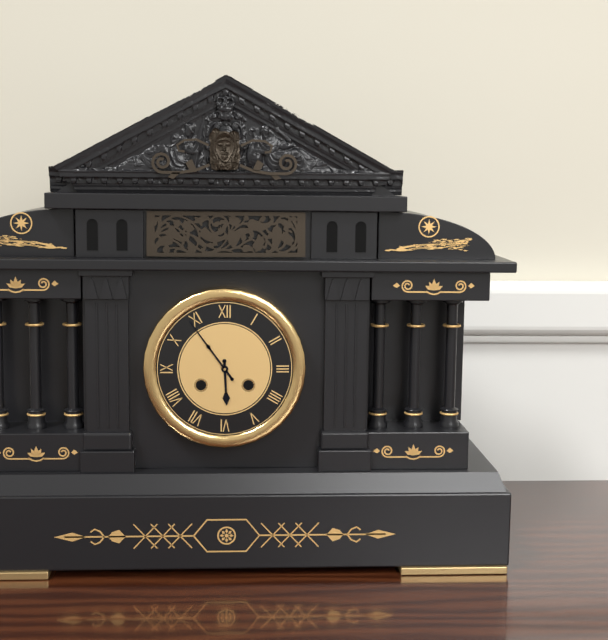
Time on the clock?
5:54
